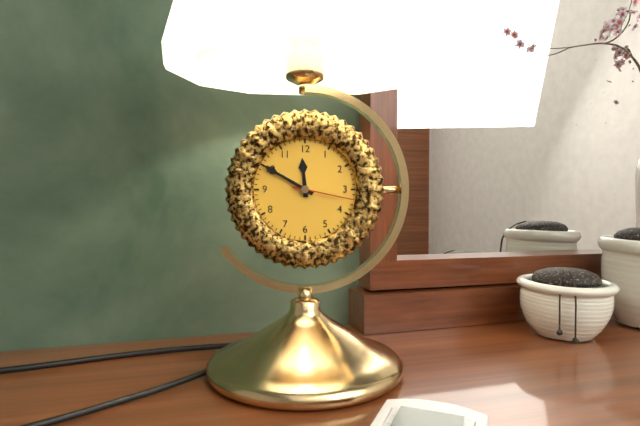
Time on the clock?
11:50:17
